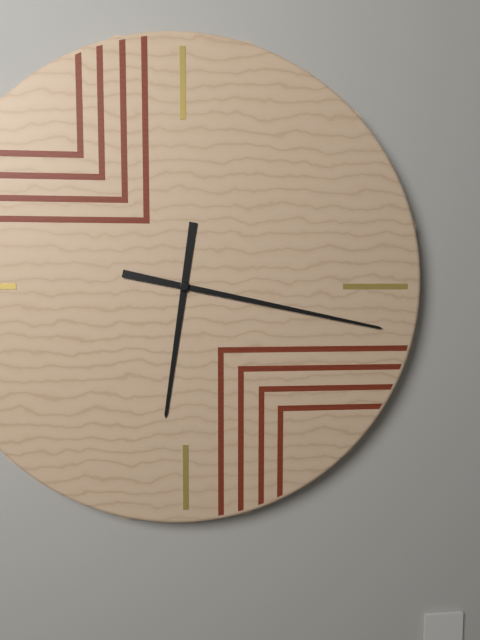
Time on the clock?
6:17
